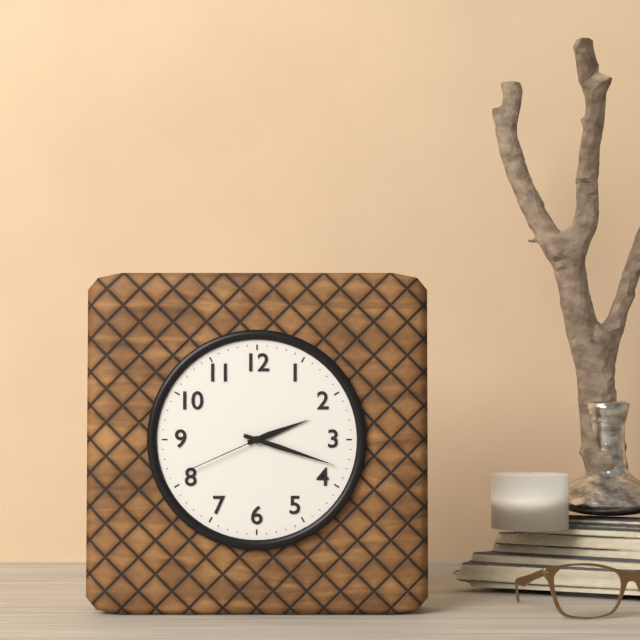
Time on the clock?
2:18:41
